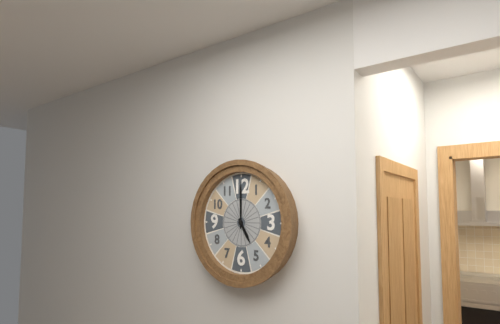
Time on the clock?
5:00
